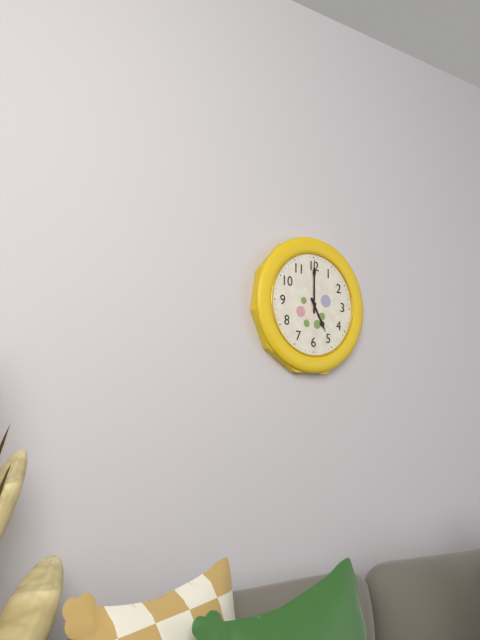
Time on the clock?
5:00
